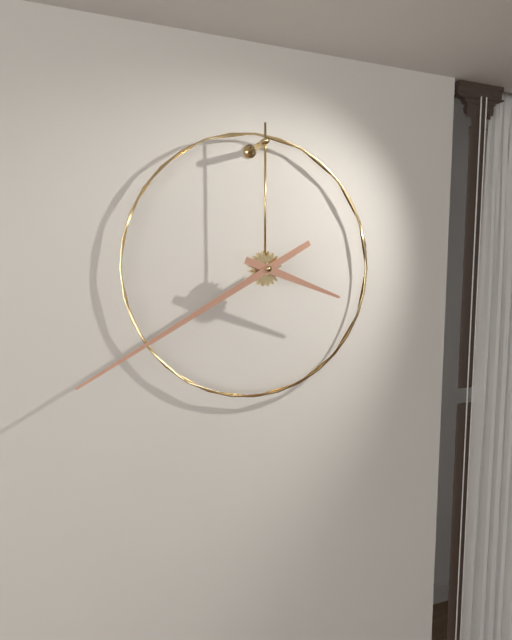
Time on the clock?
3:40
